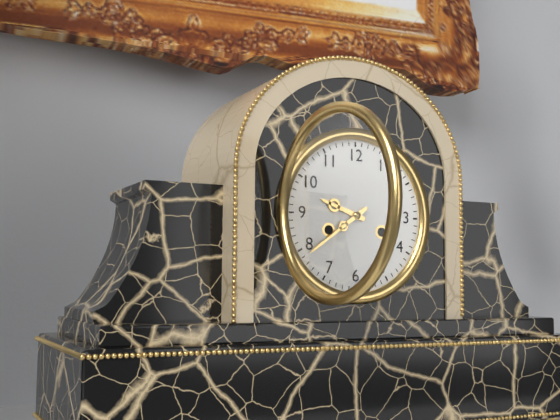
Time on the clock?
9:39
